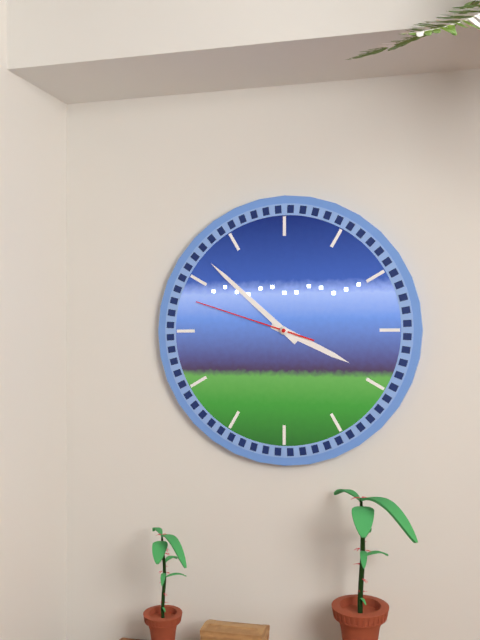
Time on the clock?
3:52:48
